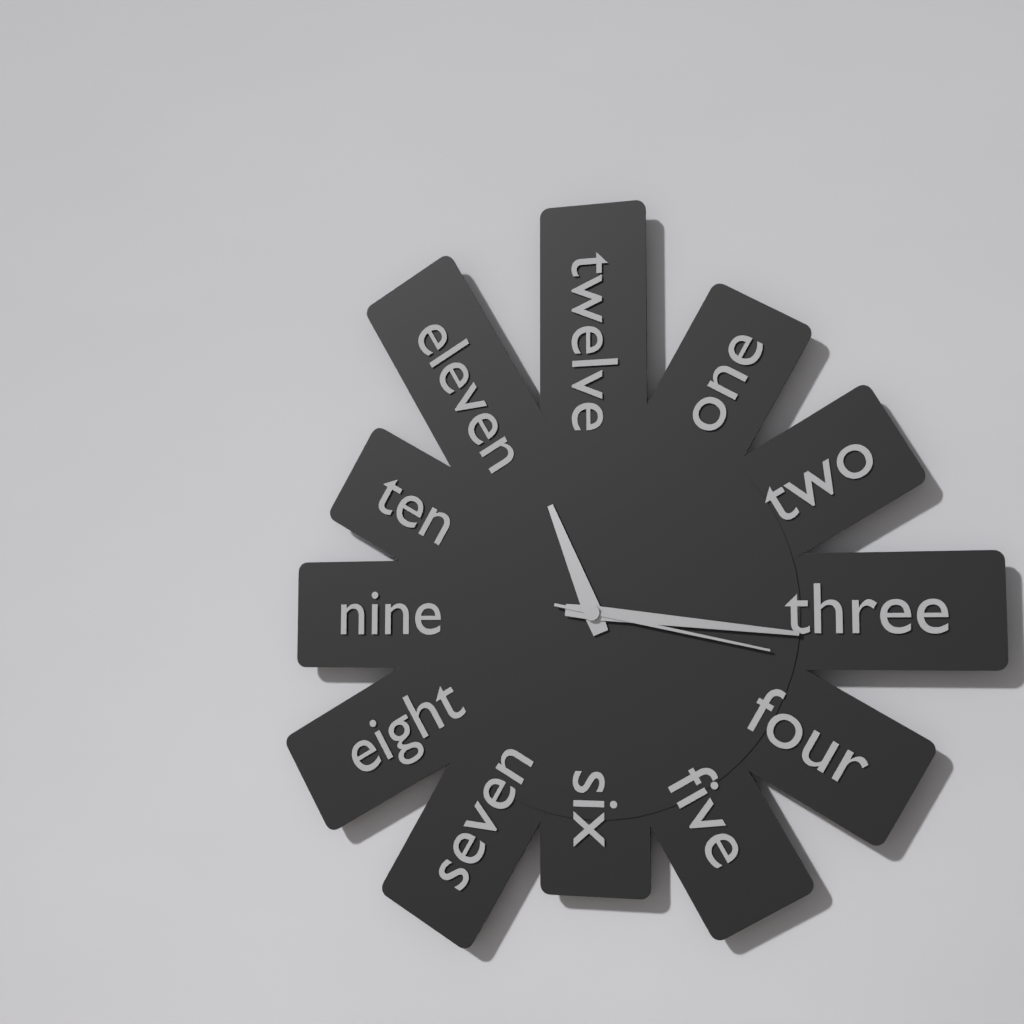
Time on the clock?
11:16:17
